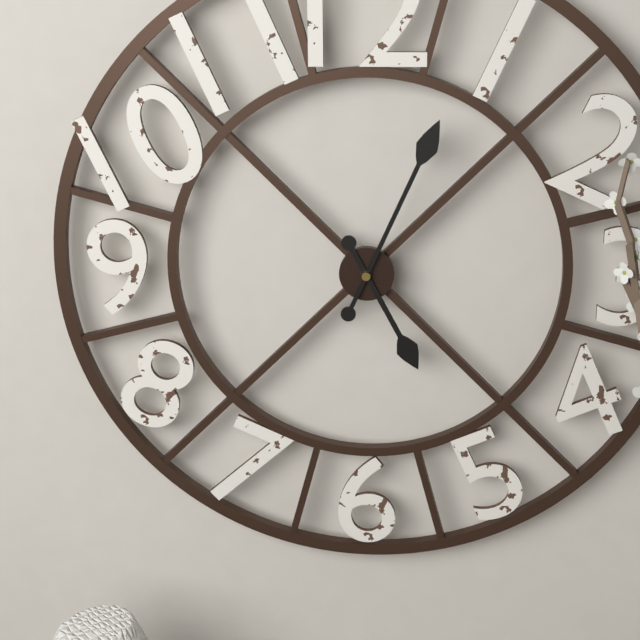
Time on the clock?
5:04
